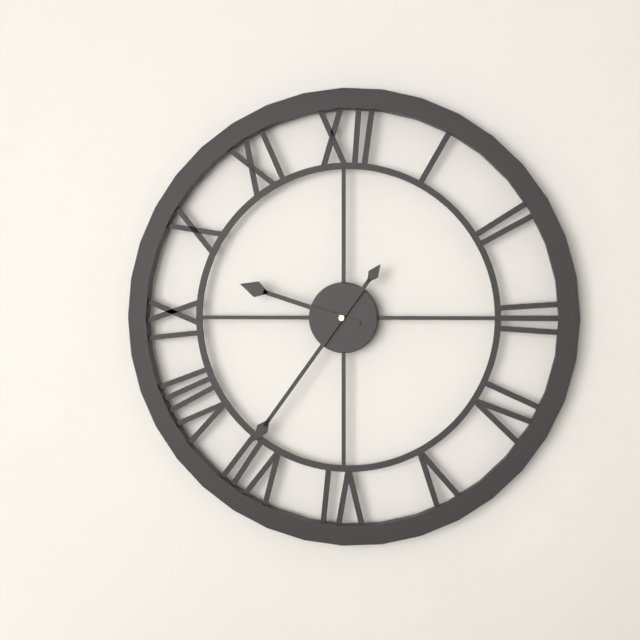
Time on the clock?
9:36
